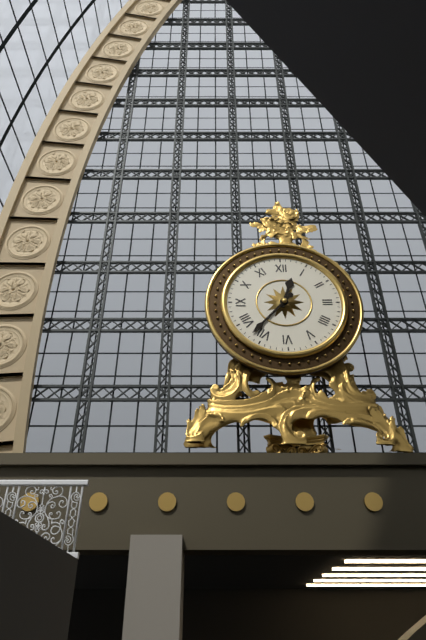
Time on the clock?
12:37
